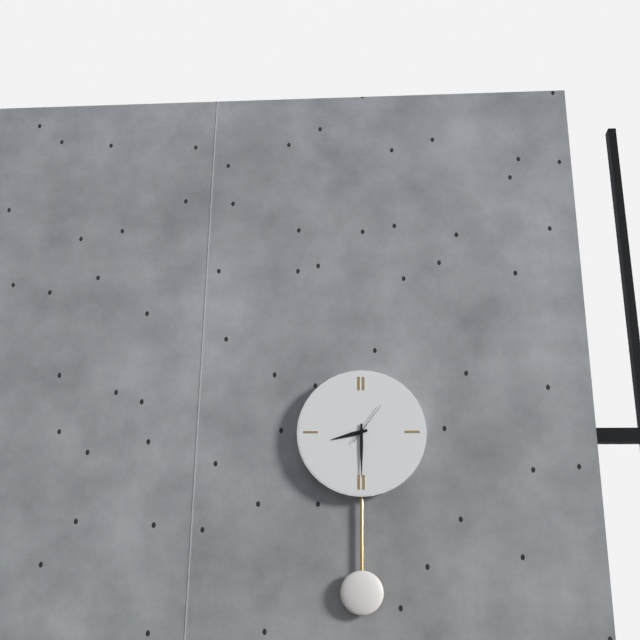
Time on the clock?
8:30
